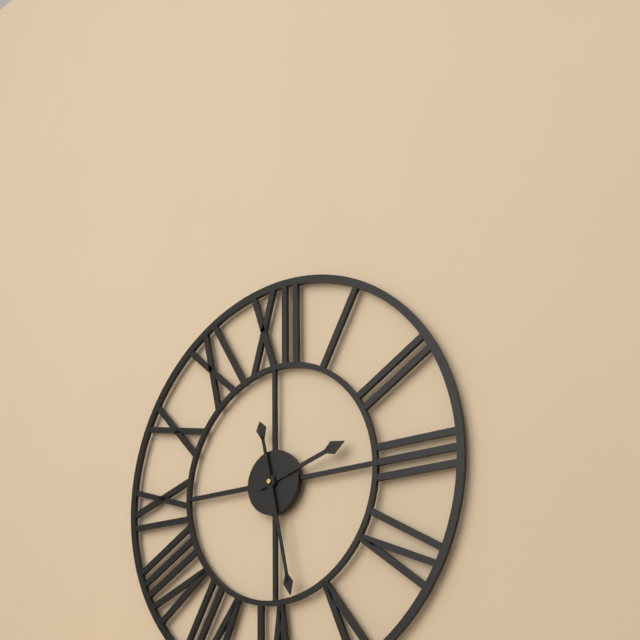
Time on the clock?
2:28
